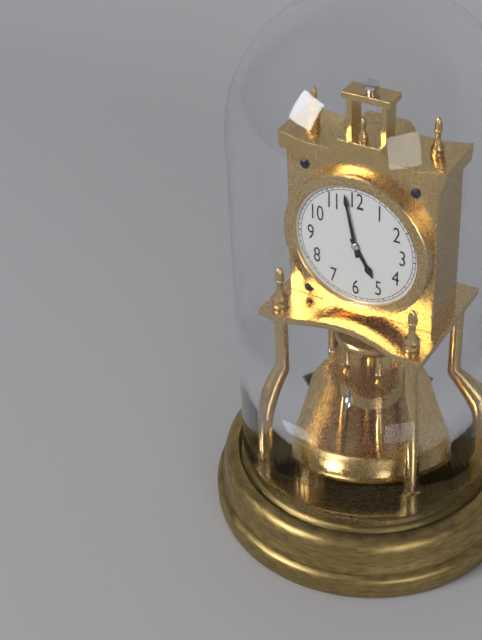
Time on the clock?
4:58
